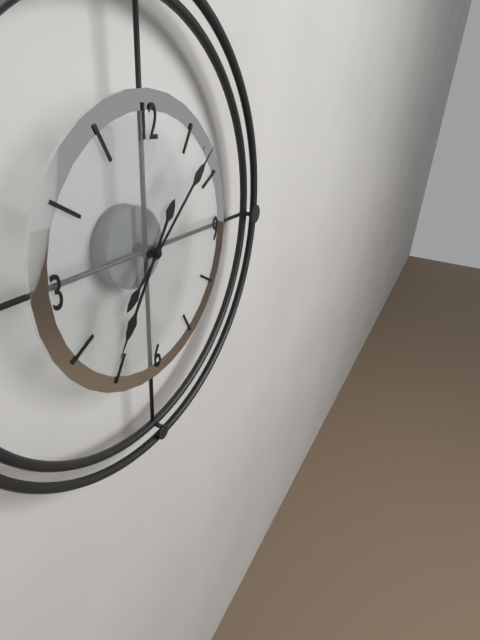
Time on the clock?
7:08
